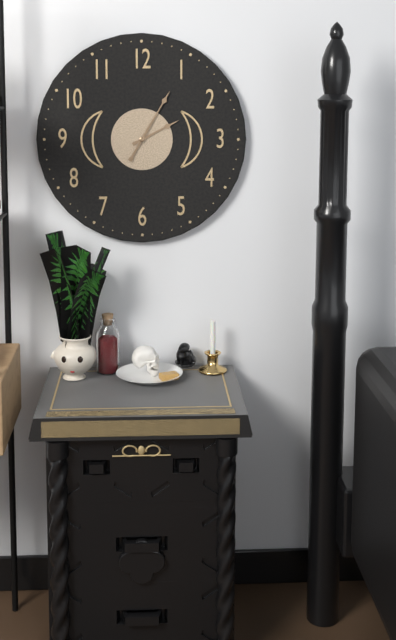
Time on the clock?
2:05
